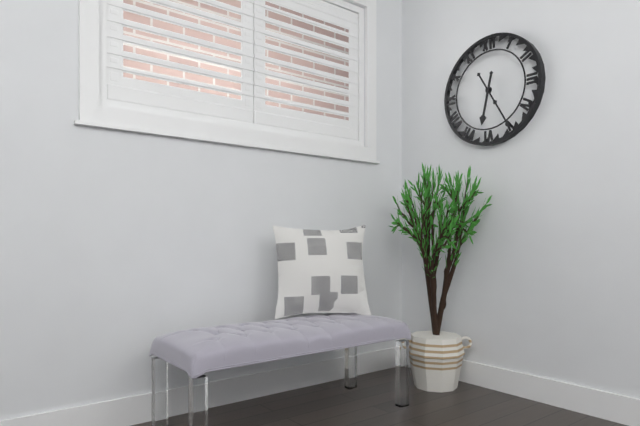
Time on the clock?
6:25
